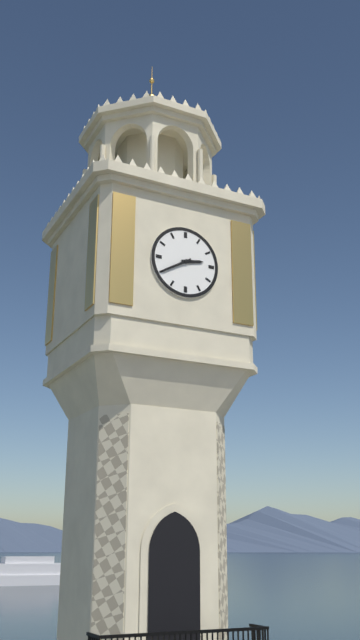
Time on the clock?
2:40
